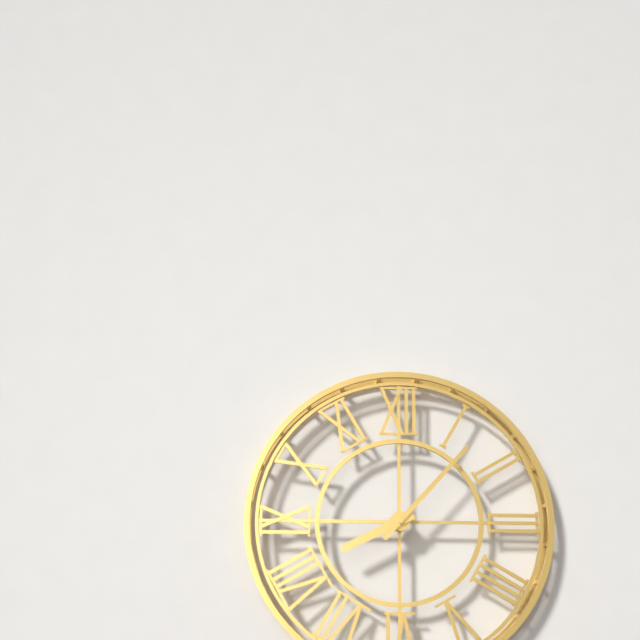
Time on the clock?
8:07
